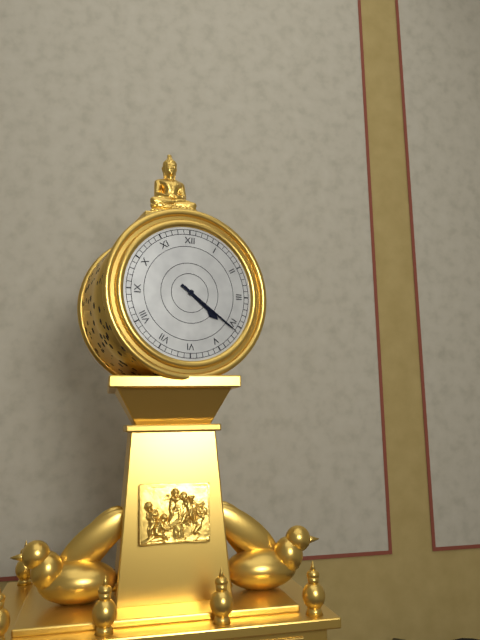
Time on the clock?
4:21
